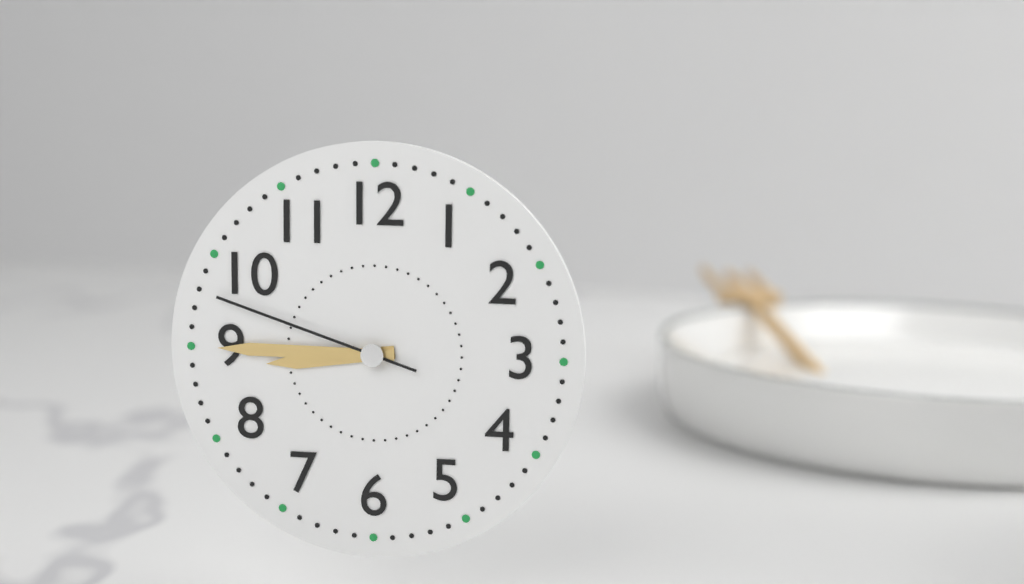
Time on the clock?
8:45:48
